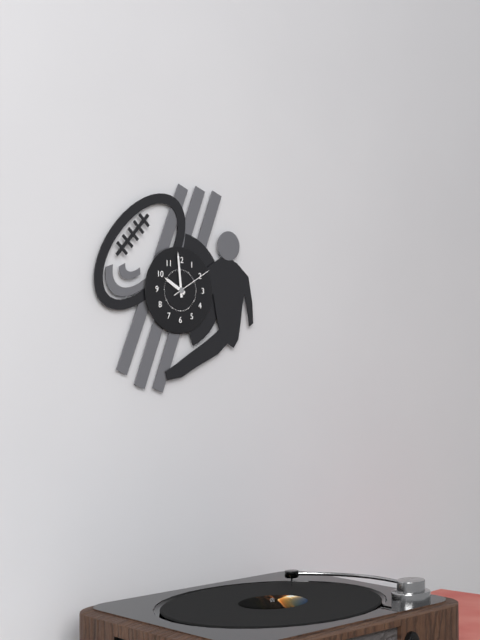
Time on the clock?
9:59
